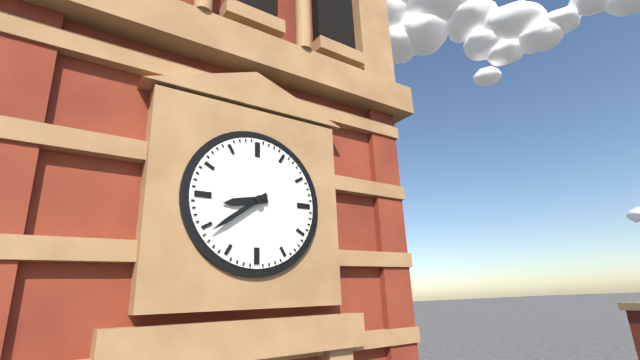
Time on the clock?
8:39
